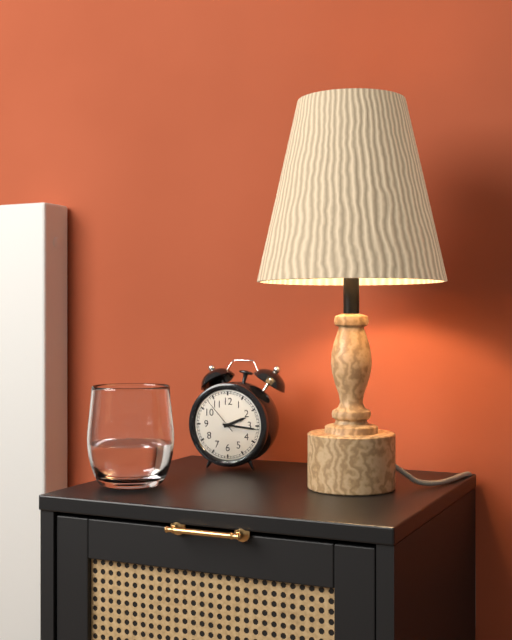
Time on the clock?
2:16
